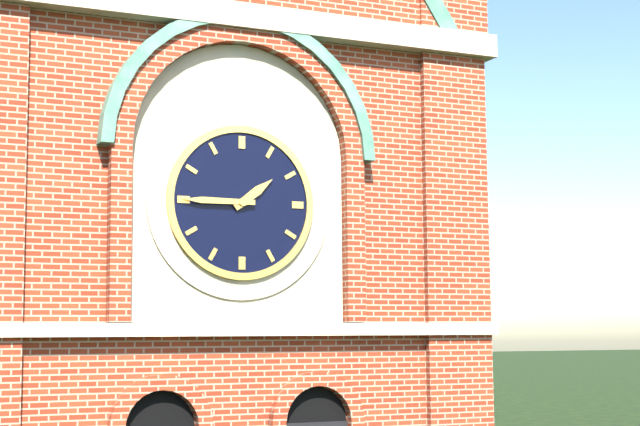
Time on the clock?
1:45
